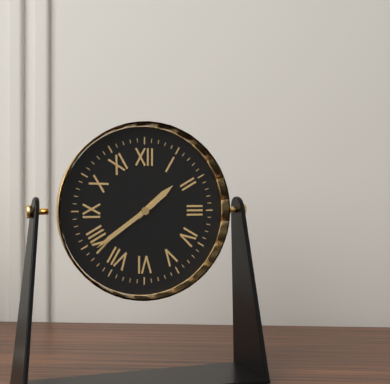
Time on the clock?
1:39
